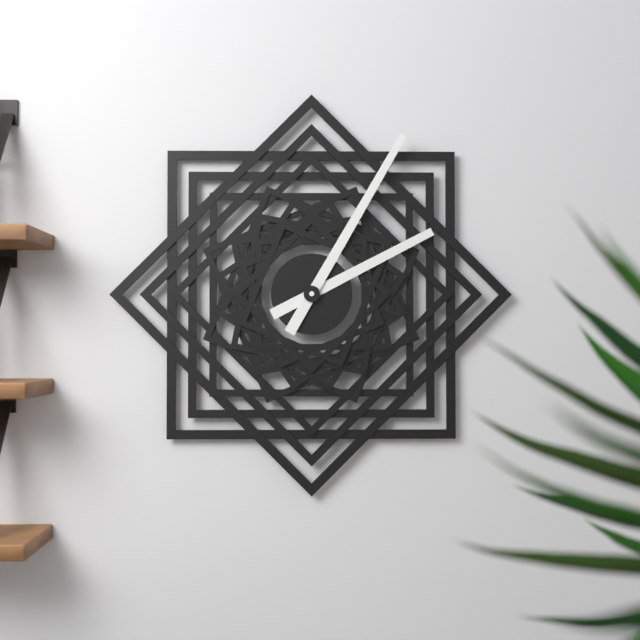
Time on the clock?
2:05
